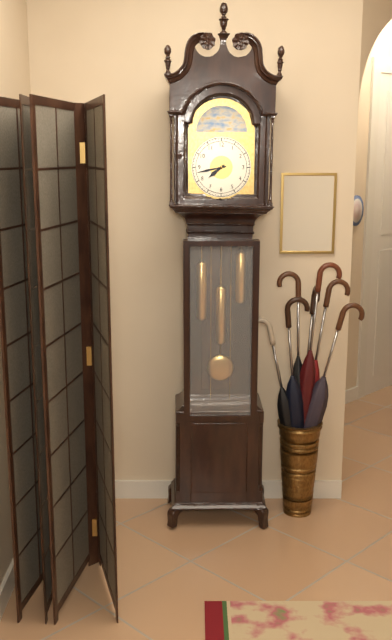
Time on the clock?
7:43
